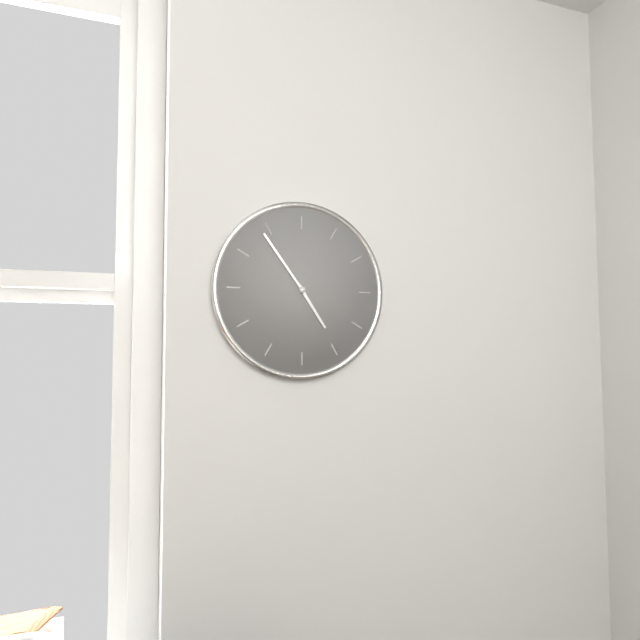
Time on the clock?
4:54
